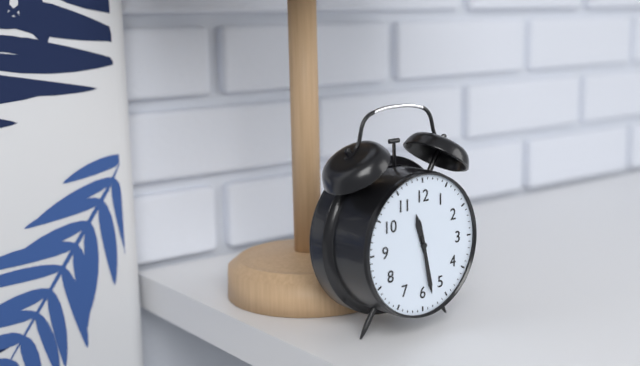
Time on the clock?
11:28
